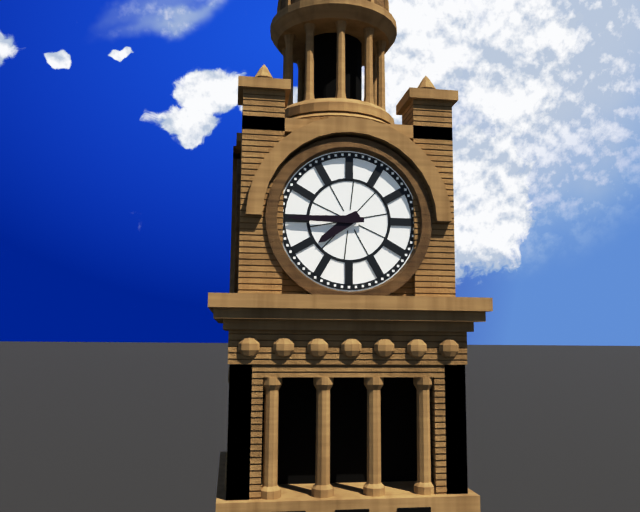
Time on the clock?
7:45
